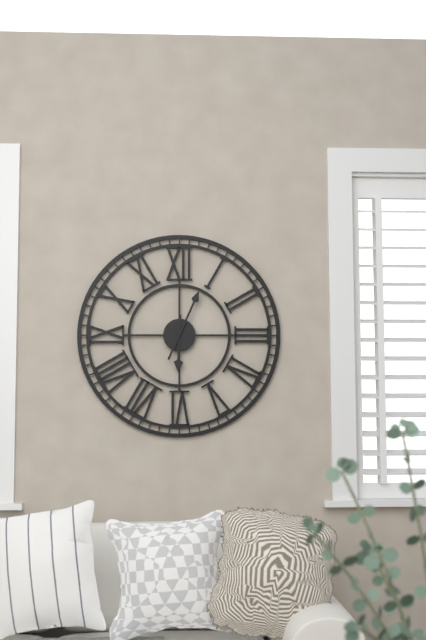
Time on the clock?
6:04
